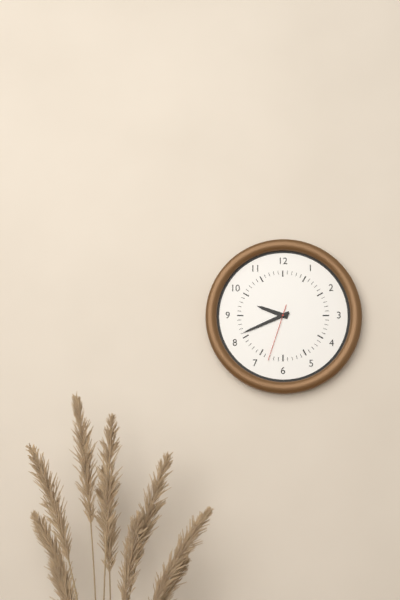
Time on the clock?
9:41:33
